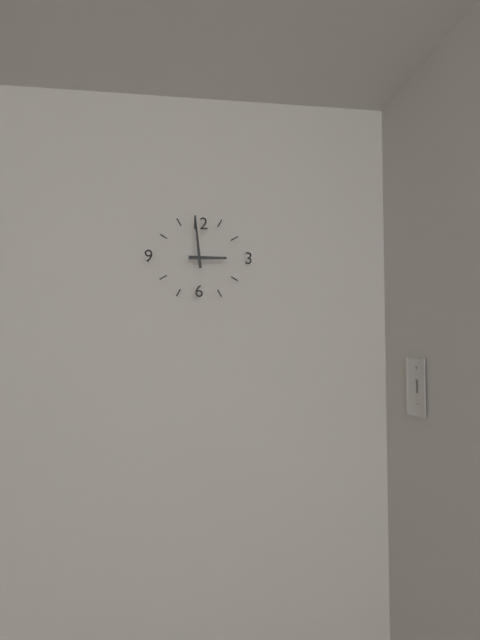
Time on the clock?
2:59
